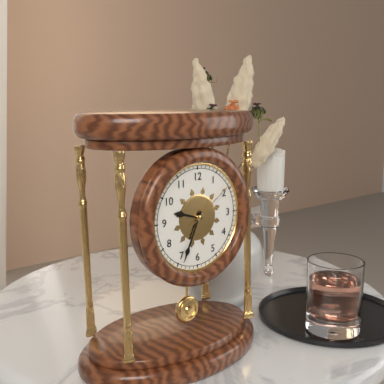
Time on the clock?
9:34:09
